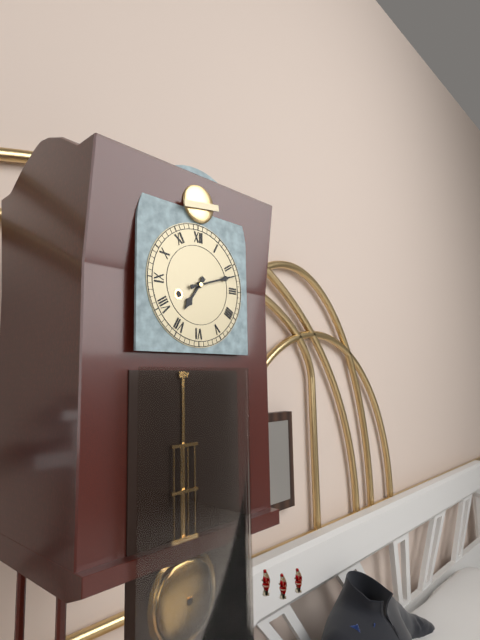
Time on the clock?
7:12
